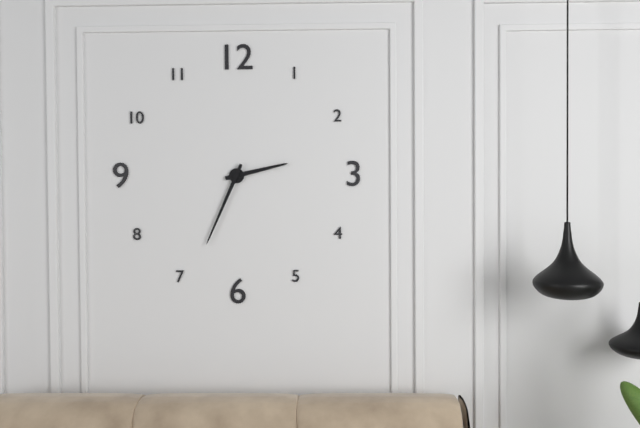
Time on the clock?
2:34
